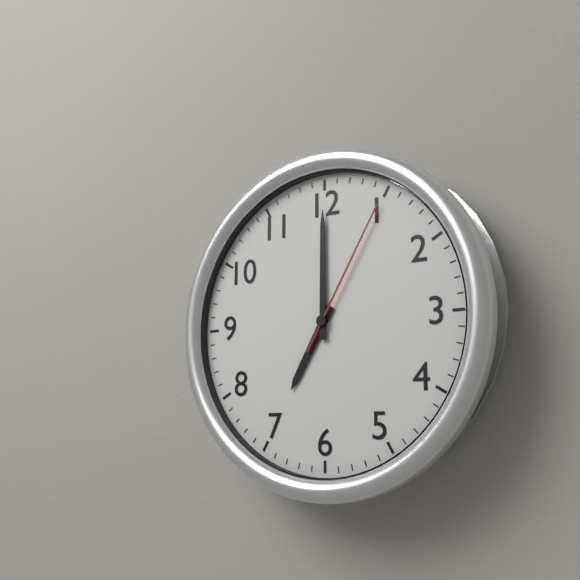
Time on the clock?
7:00:05
